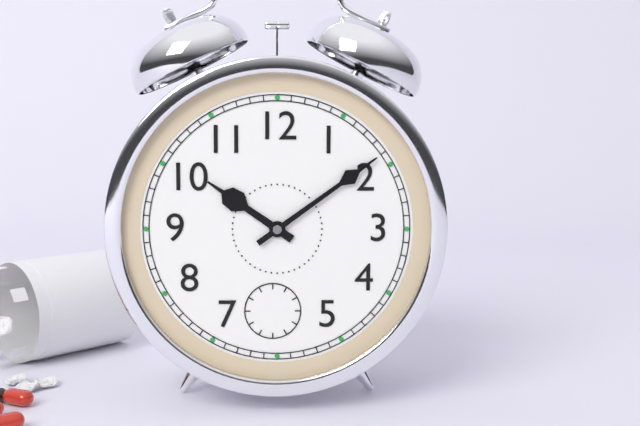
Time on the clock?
10:09
